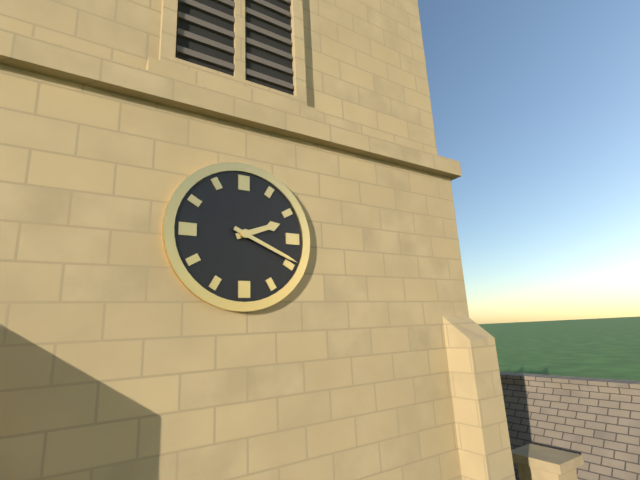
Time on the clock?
2:19
